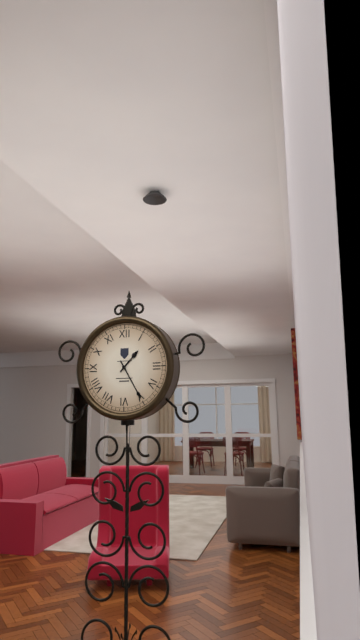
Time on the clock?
1:25
